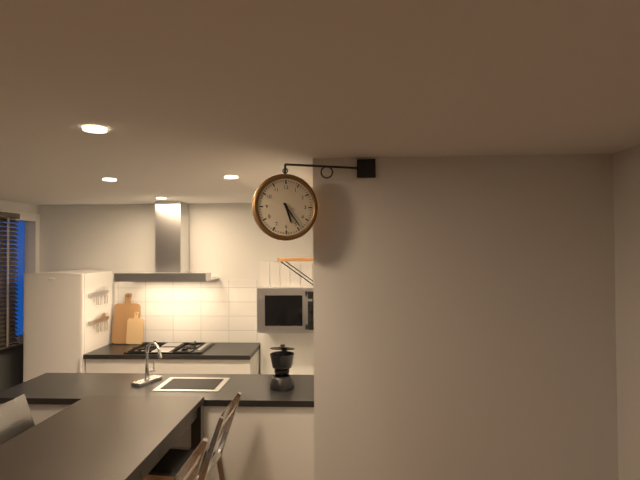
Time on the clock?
5:24
